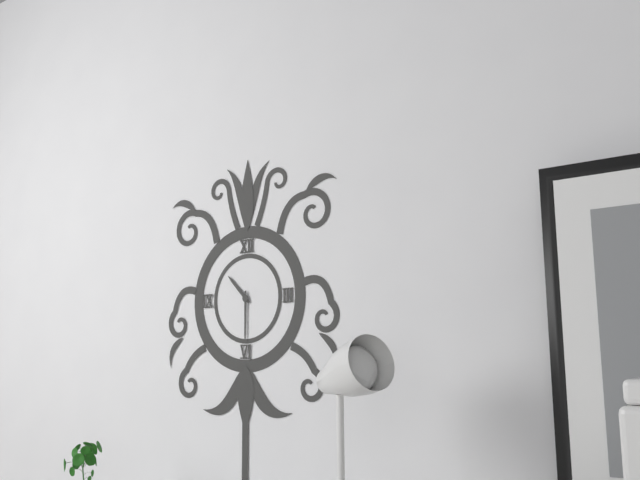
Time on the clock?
10:30
